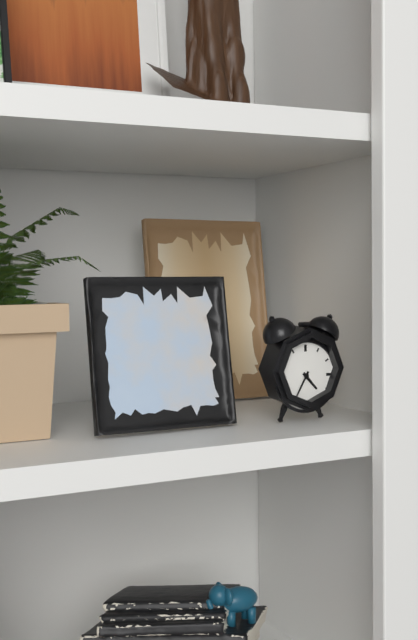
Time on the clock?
4:35
